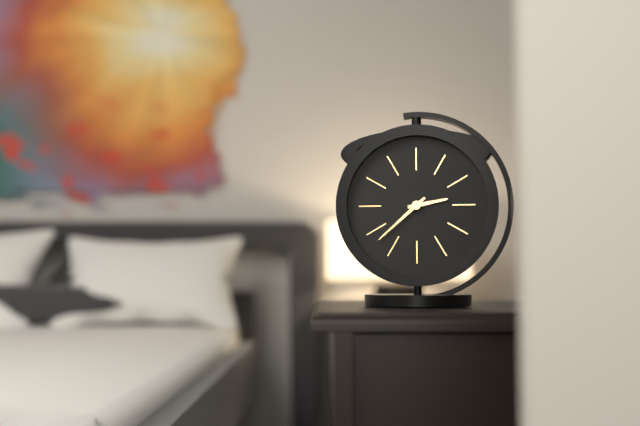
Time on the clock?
2:38
